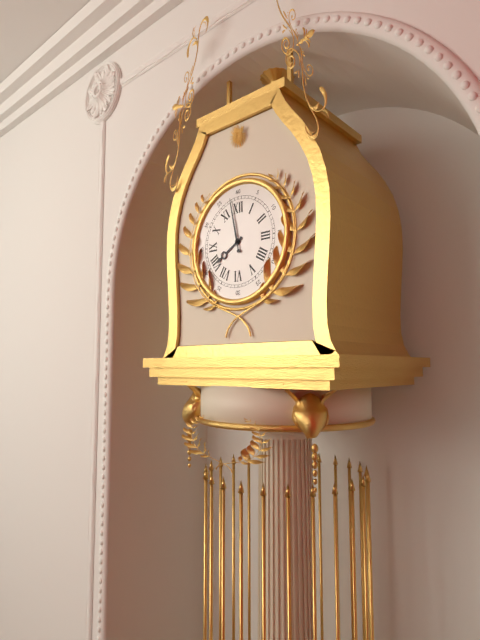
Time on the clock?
7:58
